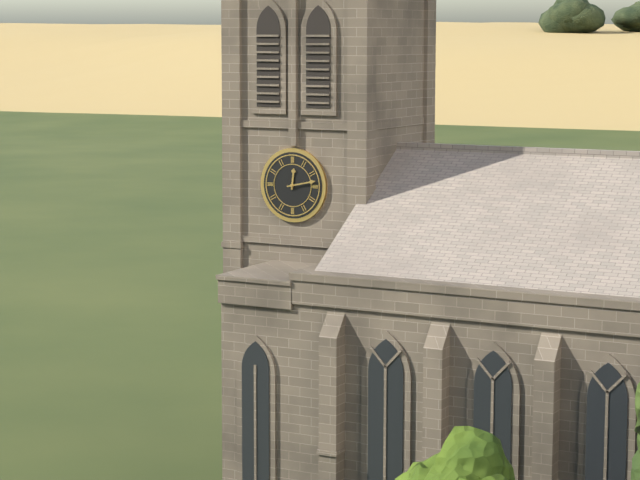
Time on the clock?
12:13
